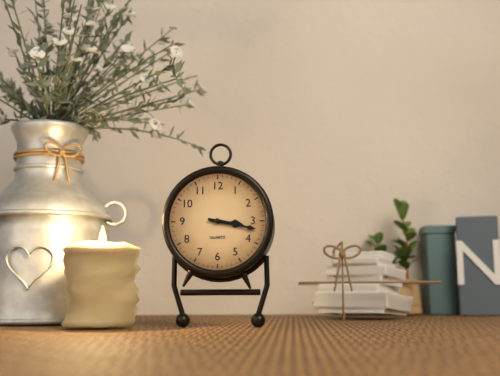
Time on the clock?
3:17
